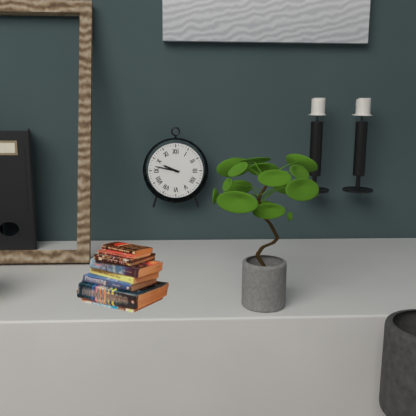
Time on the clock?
9:47
